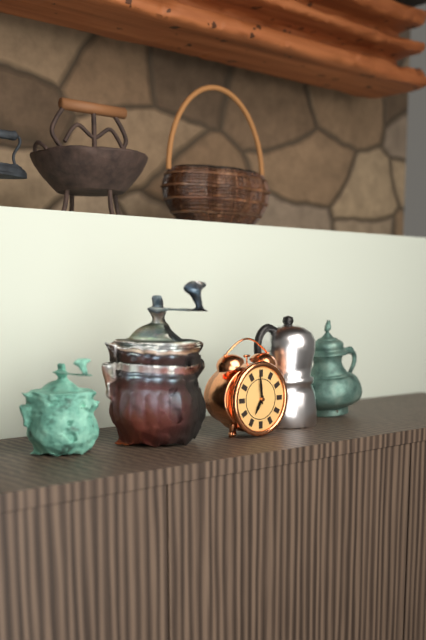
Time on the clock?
6:59
